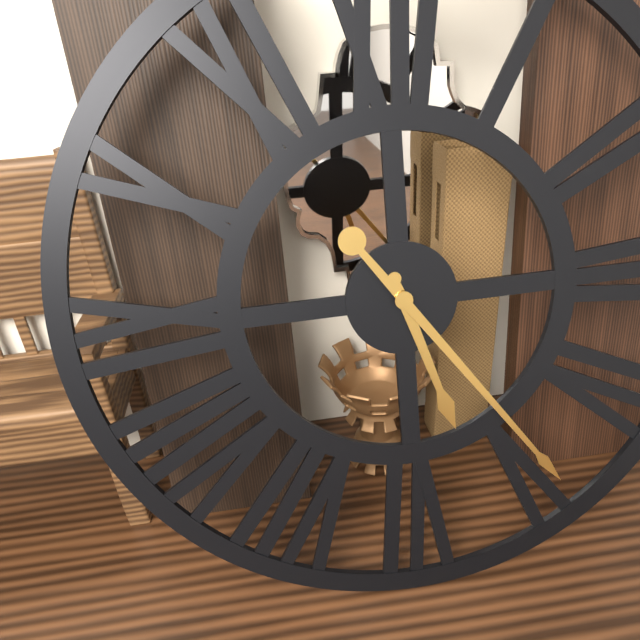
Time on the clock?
5:24
